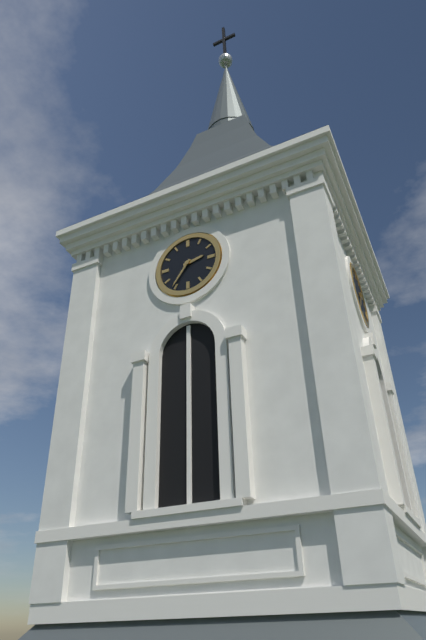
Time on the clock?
2:36
